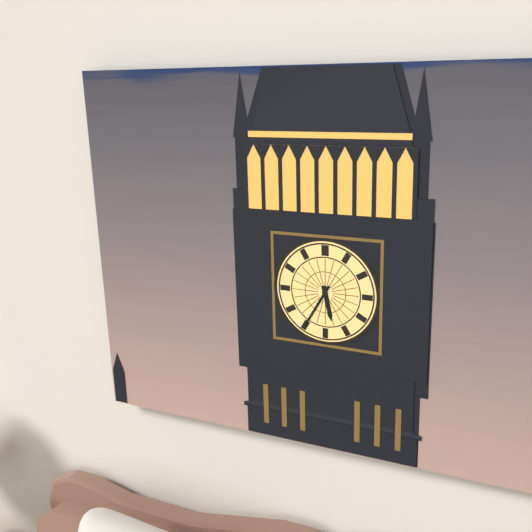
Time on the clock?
5:35
